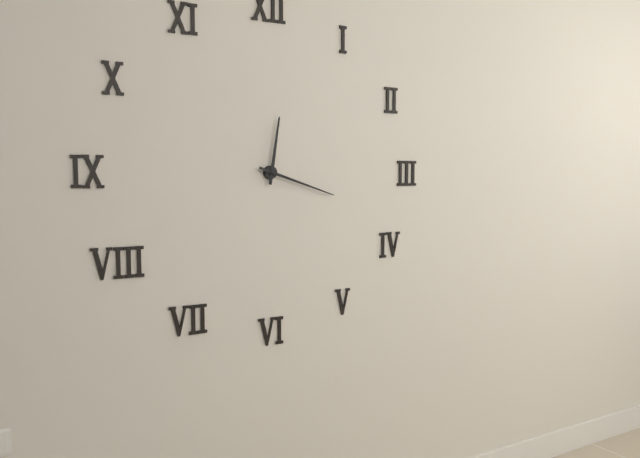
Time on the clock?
12:18
